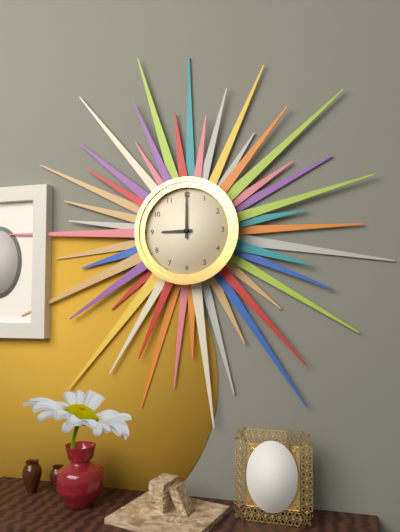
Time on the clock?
9:00
